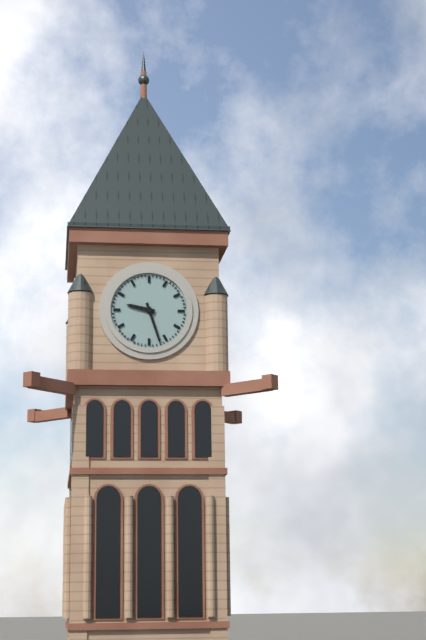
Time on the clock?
9:27
